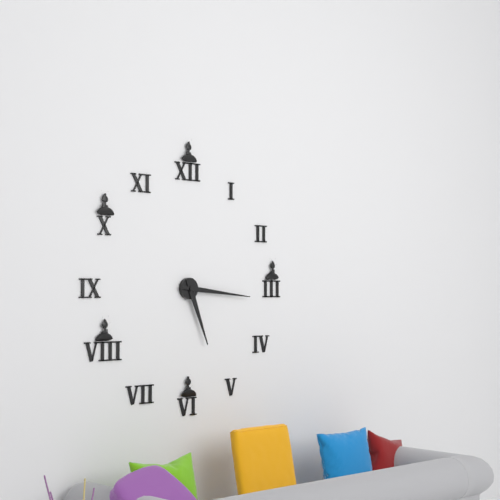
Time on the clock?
5:16
